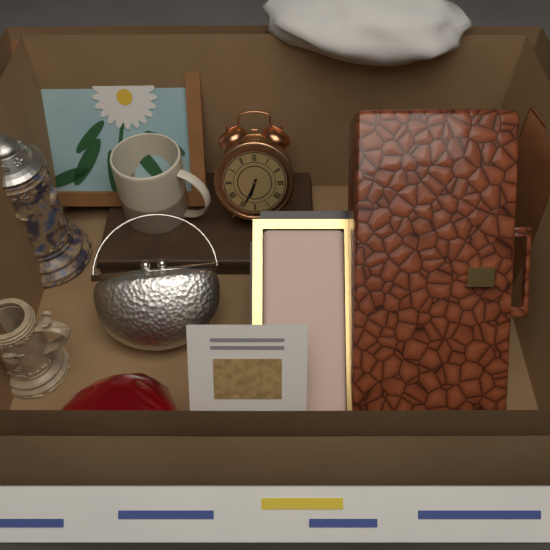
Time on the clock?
6:34
